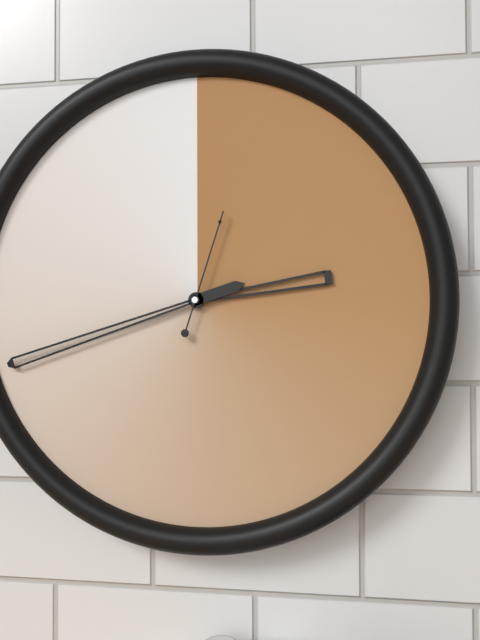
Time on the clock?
2:42:03
